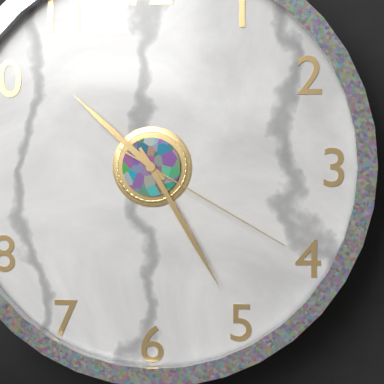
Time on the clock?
10:25:20
